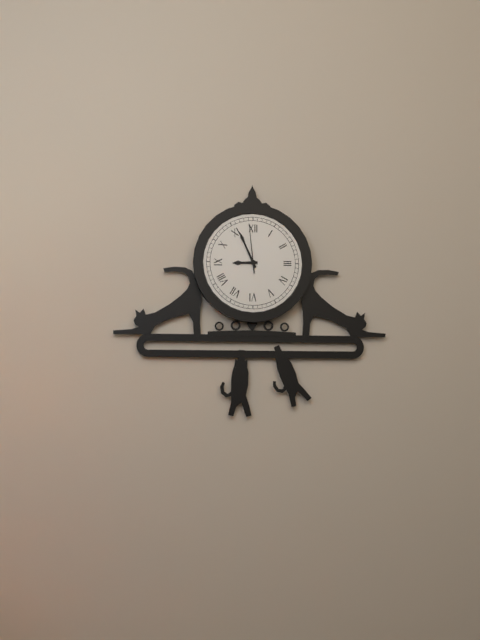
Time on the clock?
8:56
